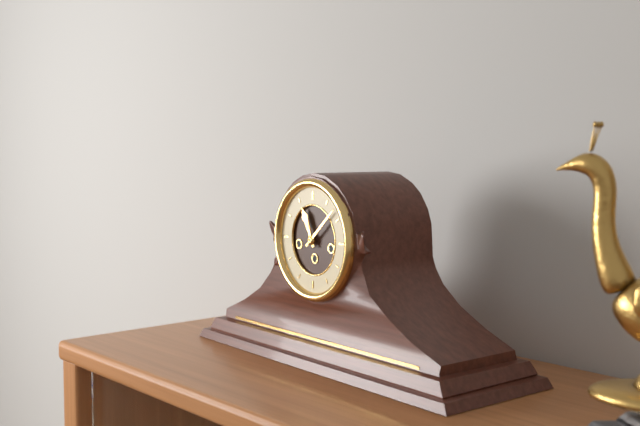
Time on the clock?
11:08
